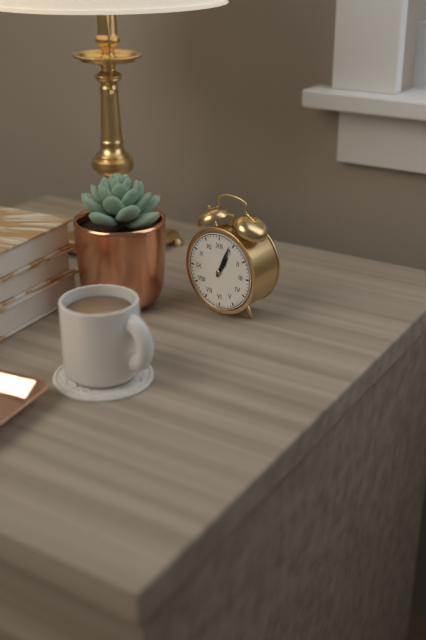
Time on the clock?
1:04
